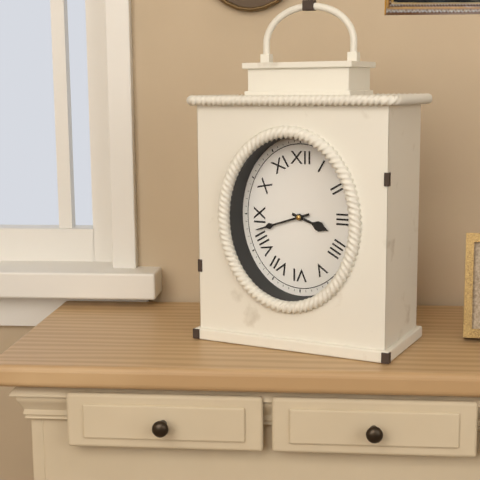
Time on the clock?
3:42
